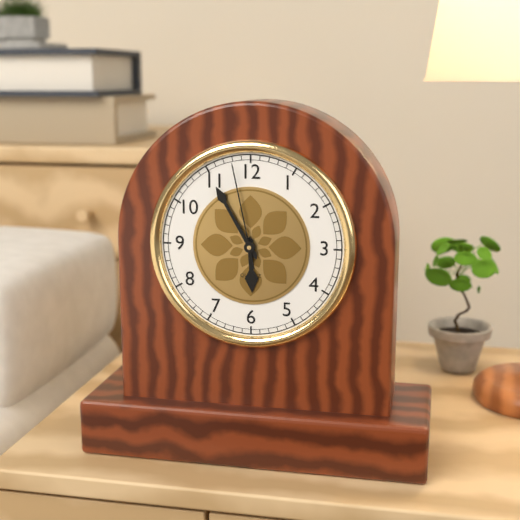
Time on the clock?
5:55:58
